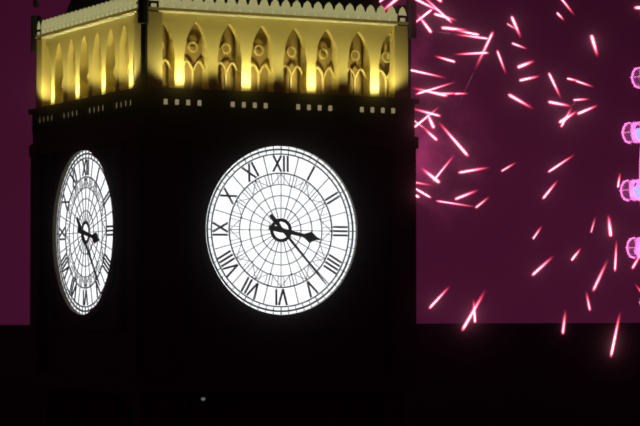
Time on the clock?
3:23
